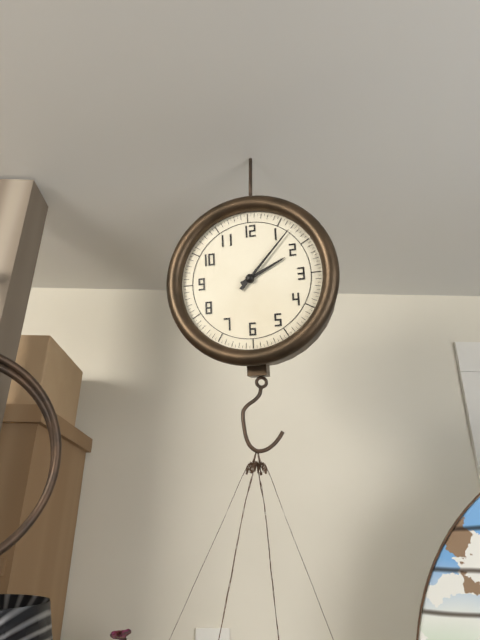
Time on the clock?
2:07
